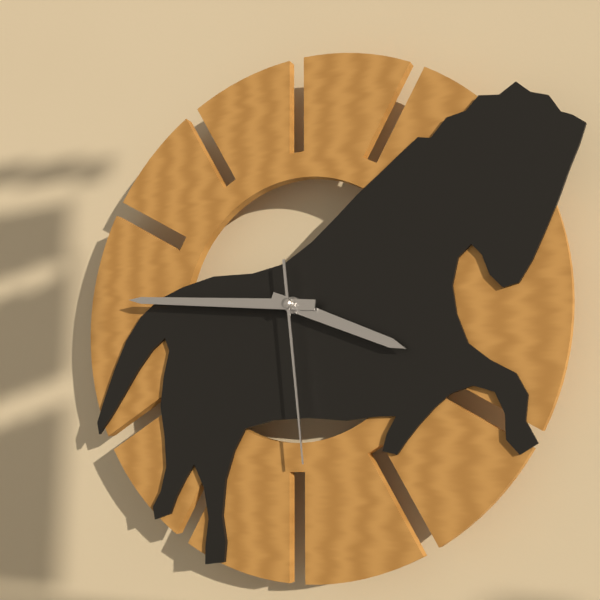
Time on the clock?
3:46:29
